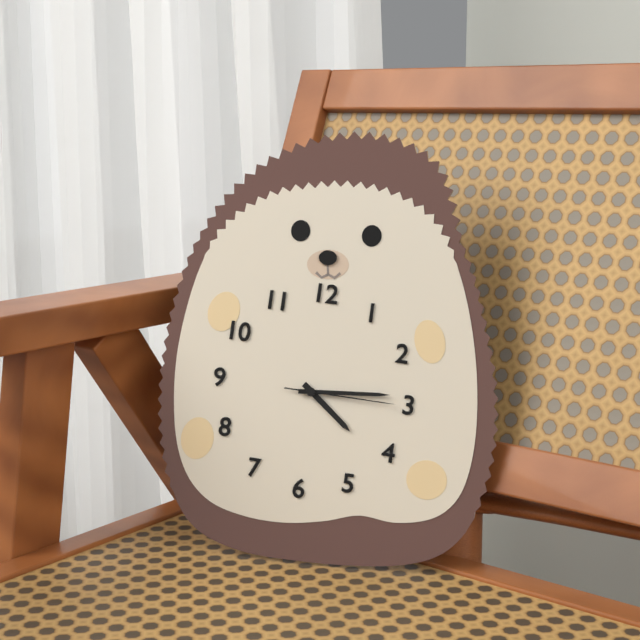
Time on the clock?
4:14:15
